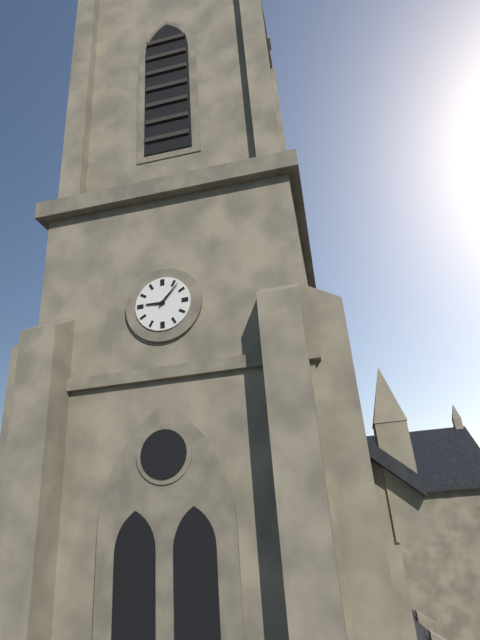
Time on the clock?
9:07
